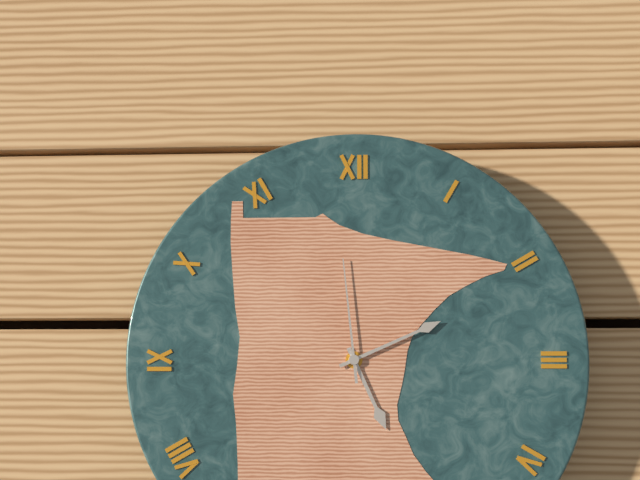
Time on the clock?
5:11:59
